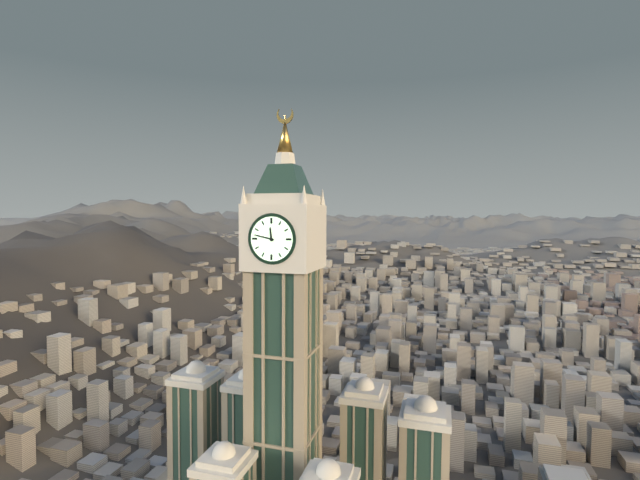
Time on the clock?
11:47
